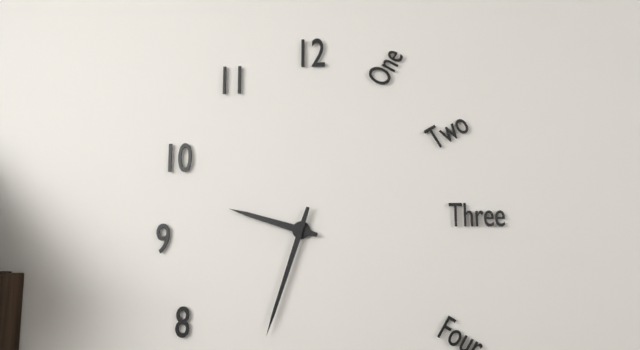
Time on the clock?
9:33
